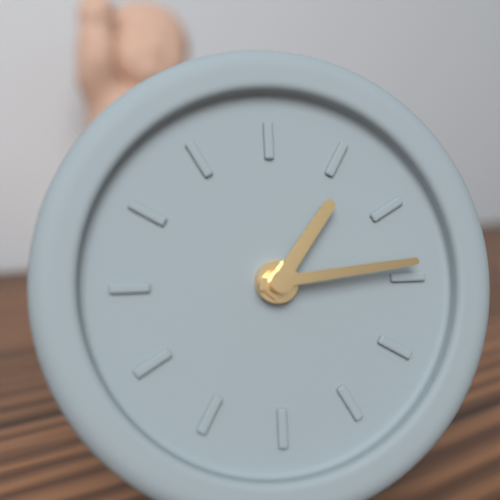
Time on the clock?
1:14
